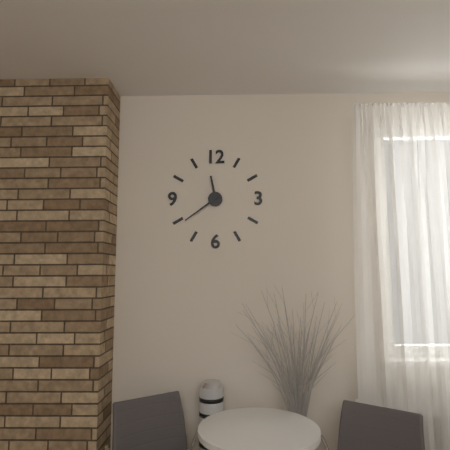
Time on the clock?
11:39
